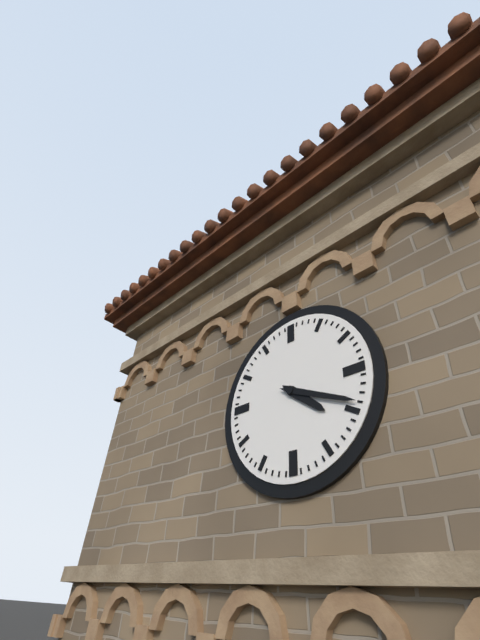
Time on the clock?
4:19
